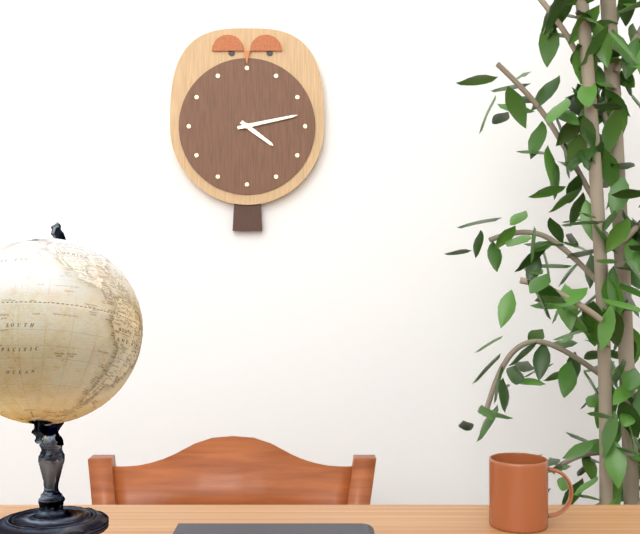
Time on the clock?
4:13
